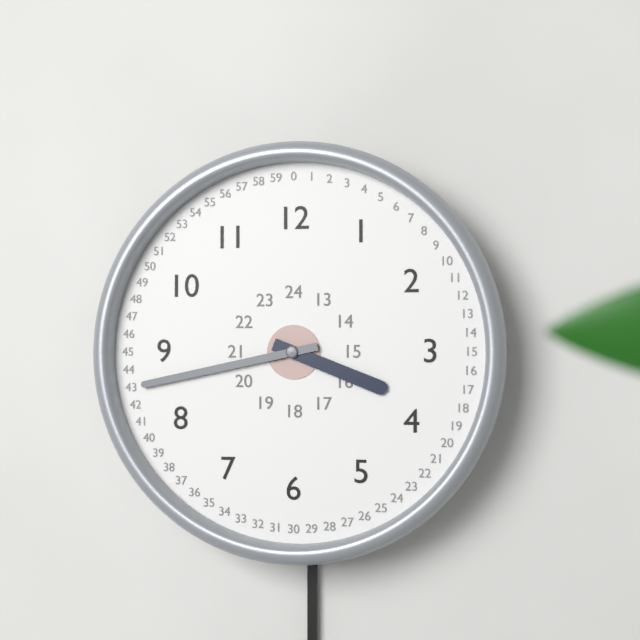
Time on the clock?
3:43
